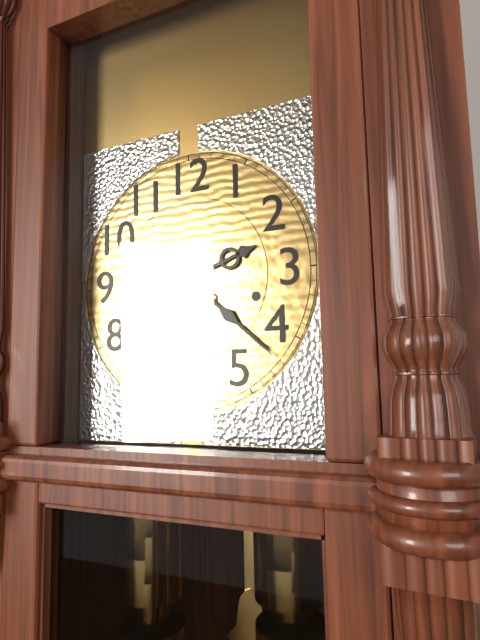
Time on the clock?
2:22
